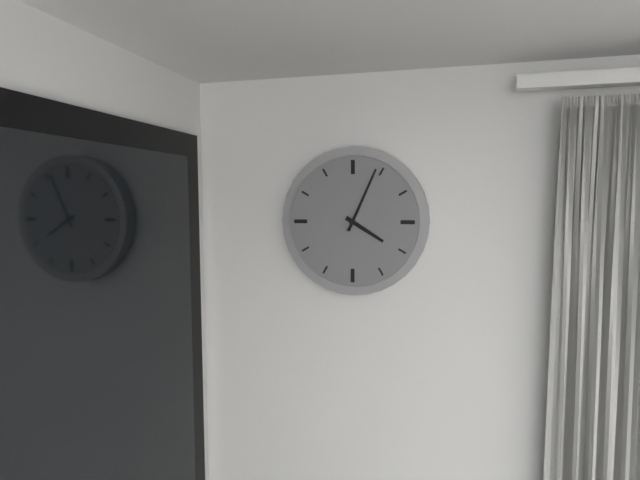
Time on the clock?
4:04
